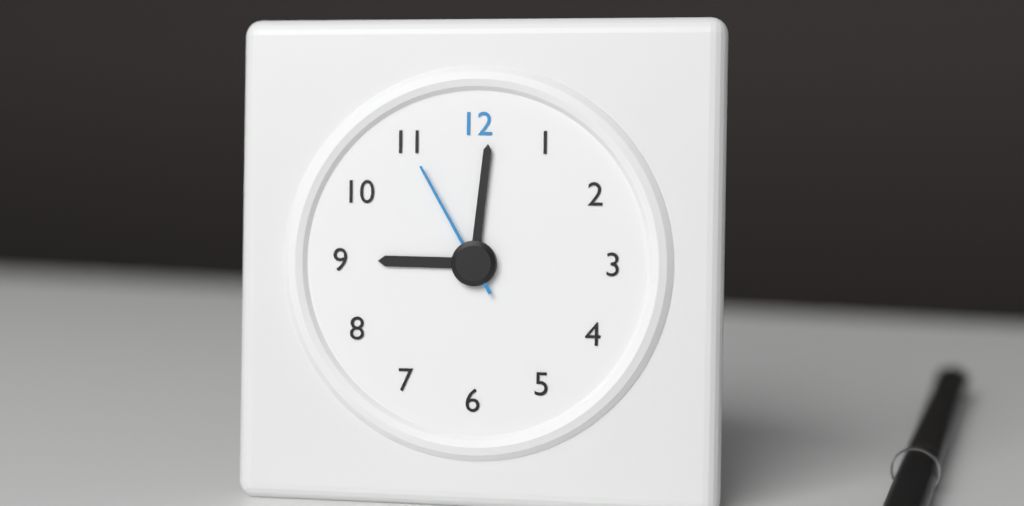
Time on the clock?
9:01:55
